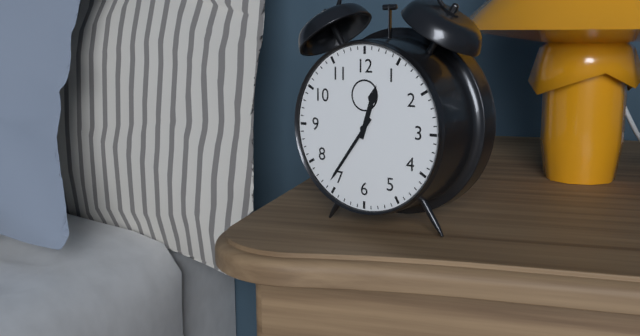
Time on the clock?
12:36
